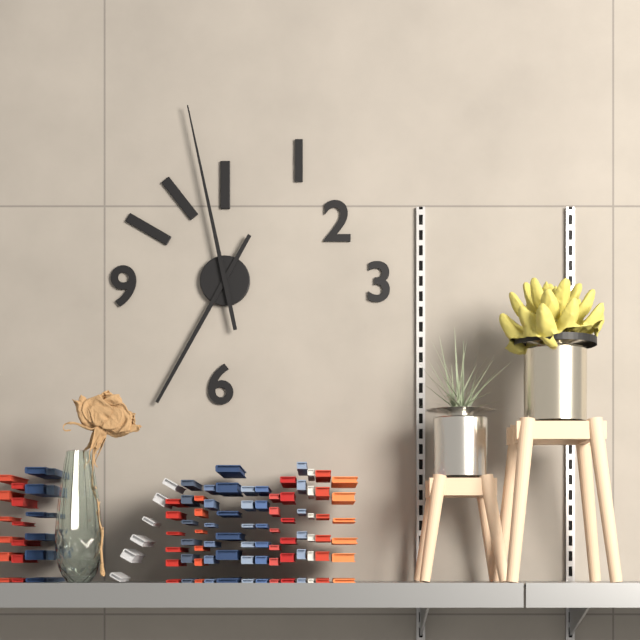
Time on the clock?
6:58
